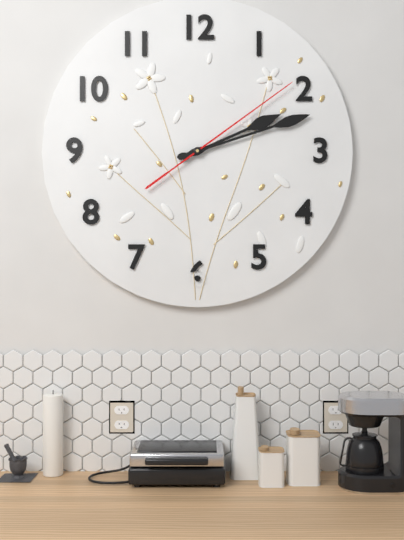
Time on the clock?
2:12:09
